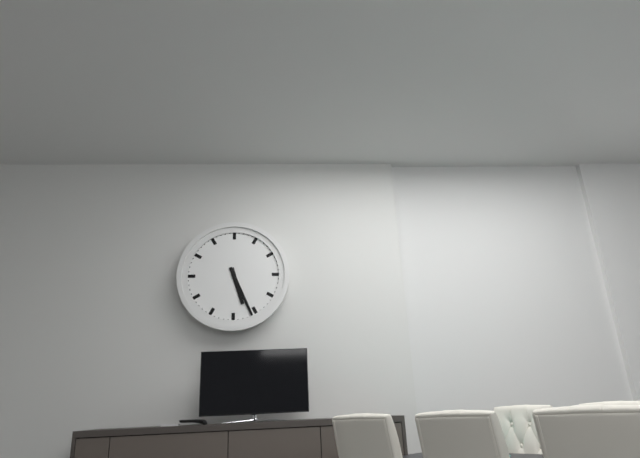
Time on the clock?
5:26
